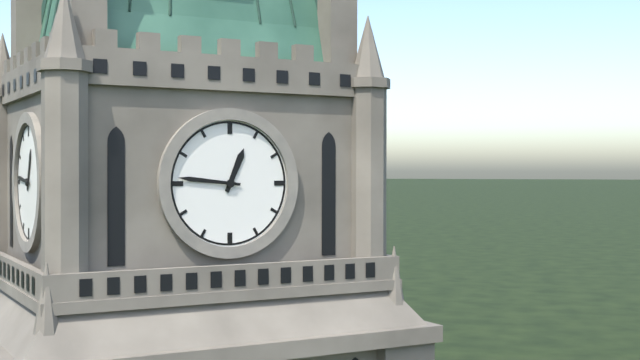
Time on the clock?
12:46
